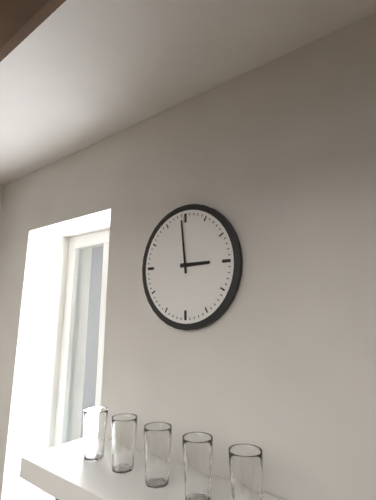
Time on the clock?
2:59
